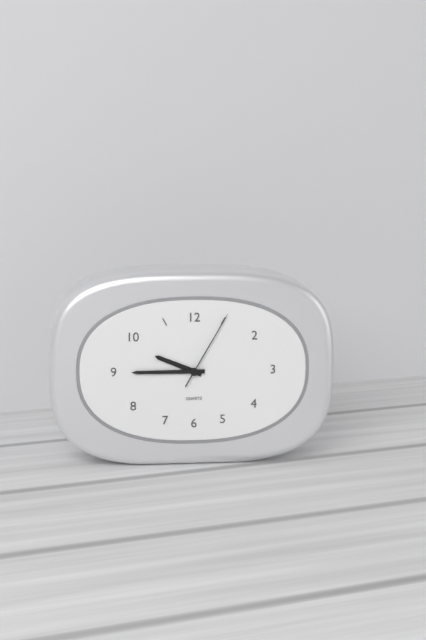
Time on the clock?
9:45:05
